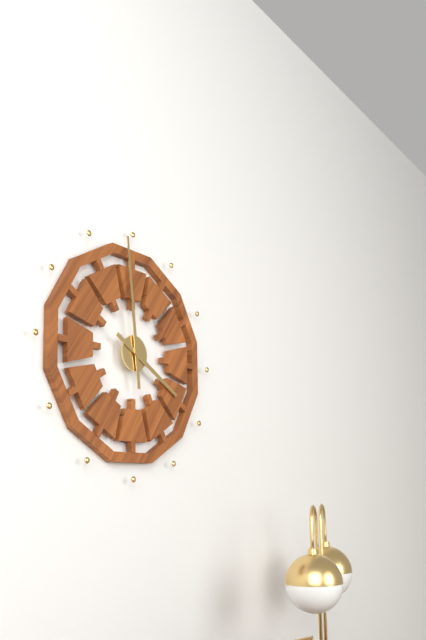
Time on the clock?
3:59
